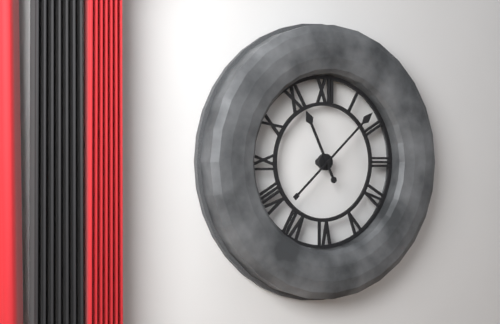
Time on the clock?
11:08
